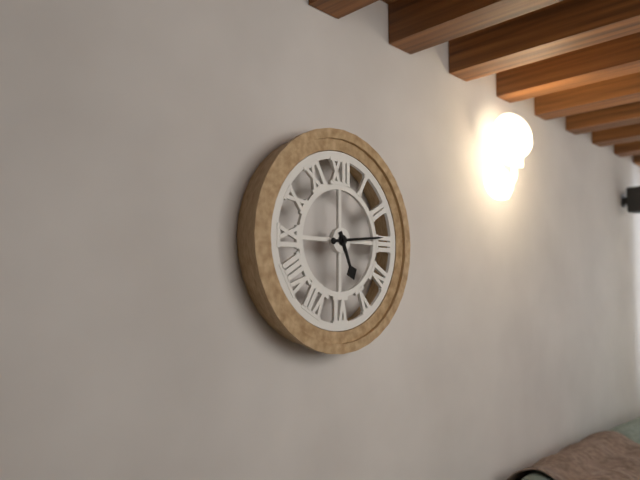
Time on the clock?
5:14
